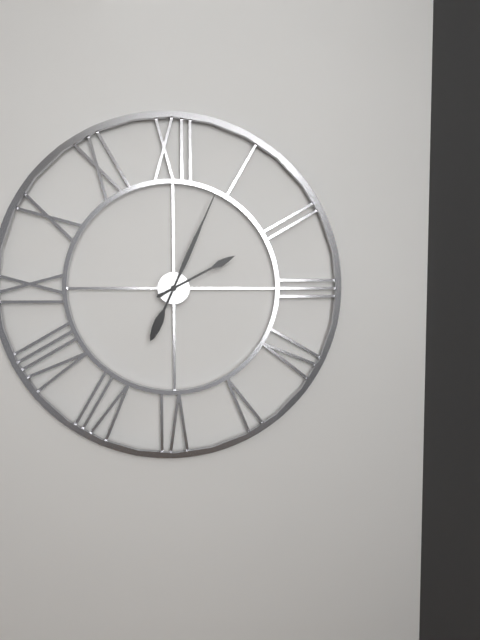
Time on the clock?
2:04
